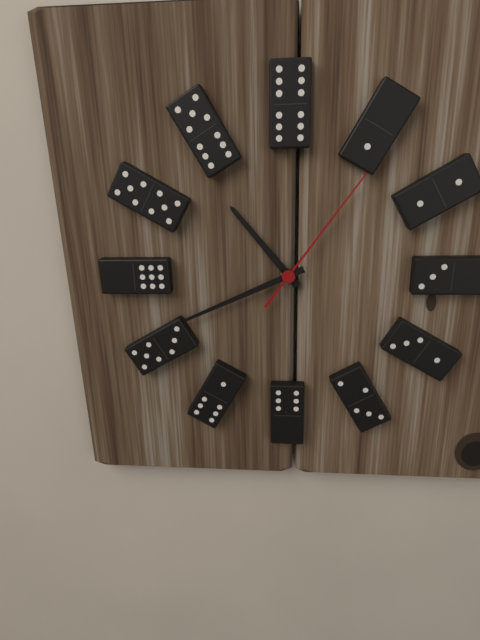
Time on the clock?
10:41:06
